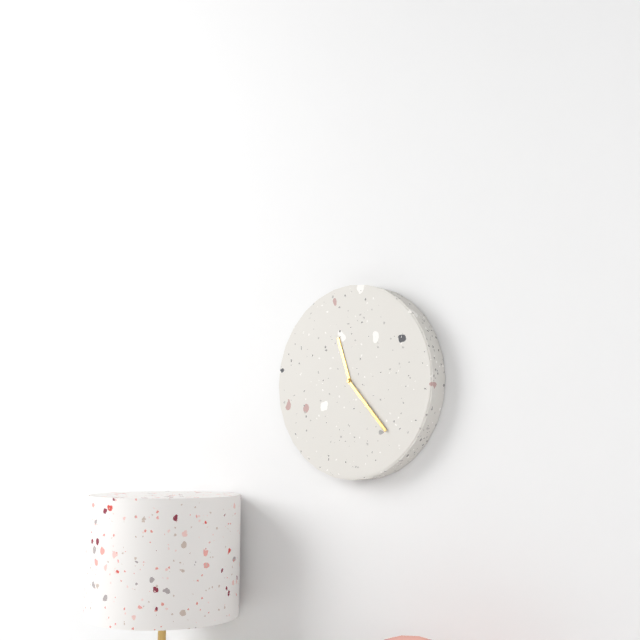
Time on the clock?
11:23
